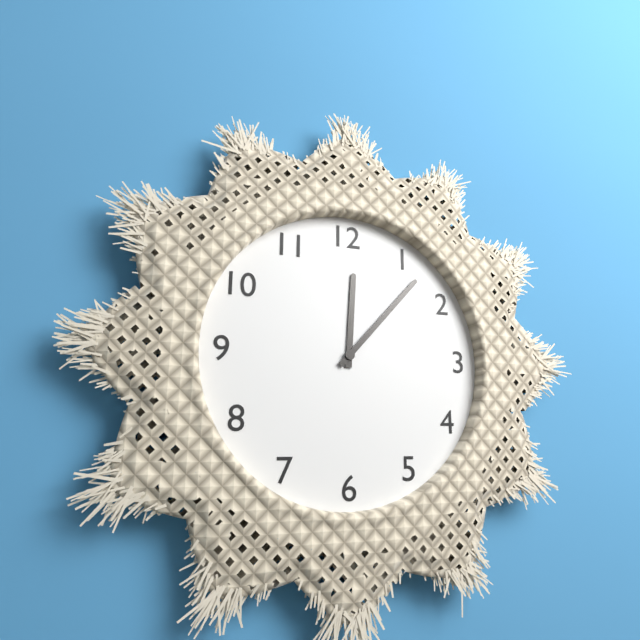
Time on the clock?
12:07
